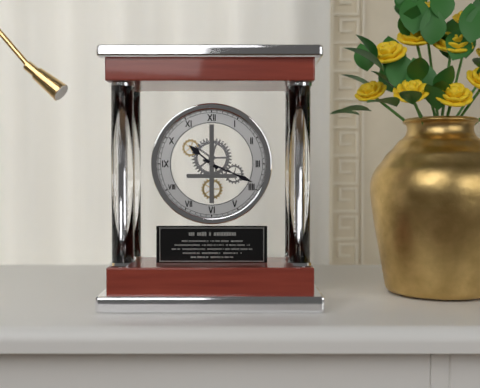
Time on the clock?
10:19
